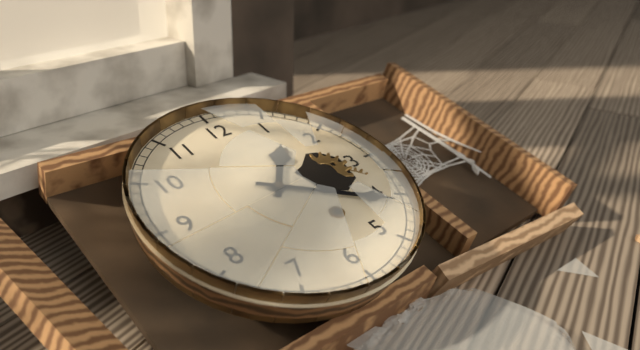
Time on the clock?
1:21
